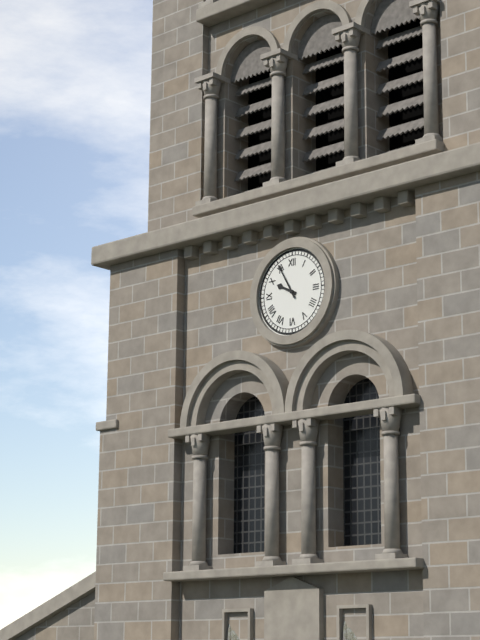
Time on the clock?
9:55
